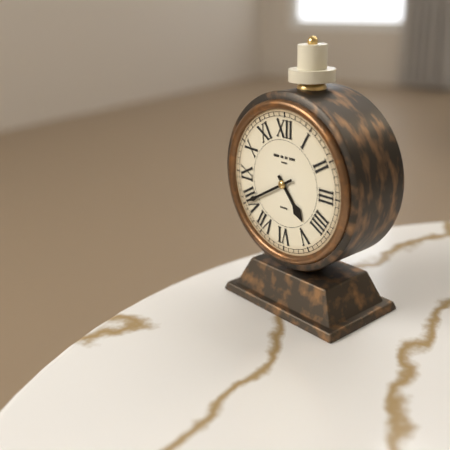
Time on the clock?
4:40
